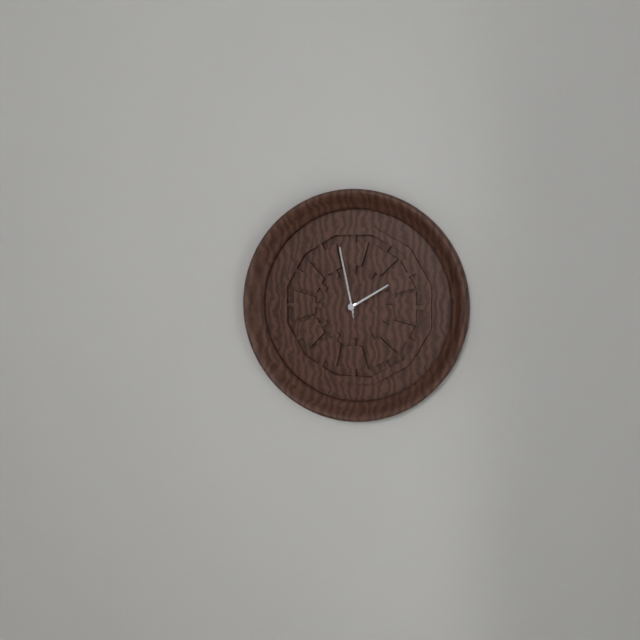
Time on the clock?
1:58:58
